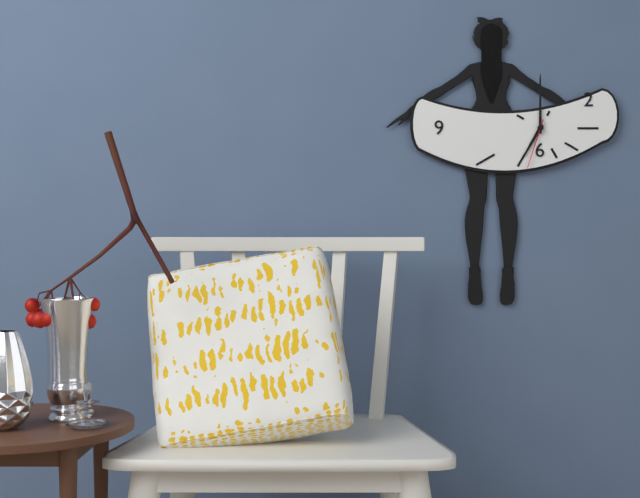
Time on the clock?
7:00:33
